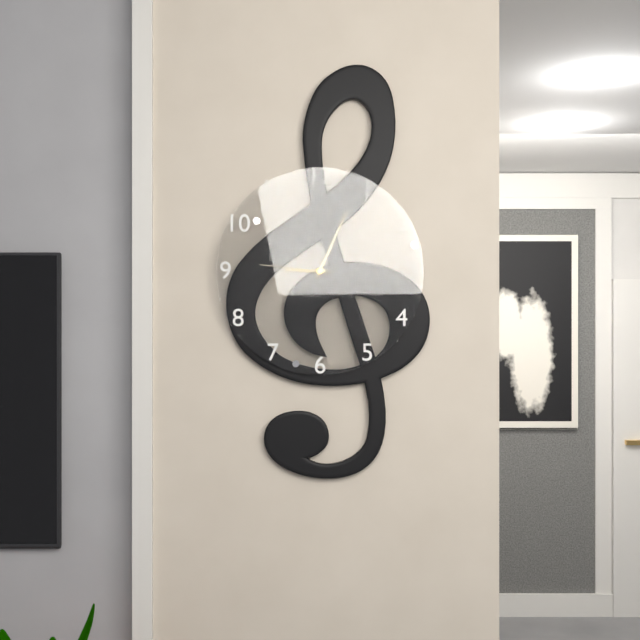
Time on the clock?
9:04:46
